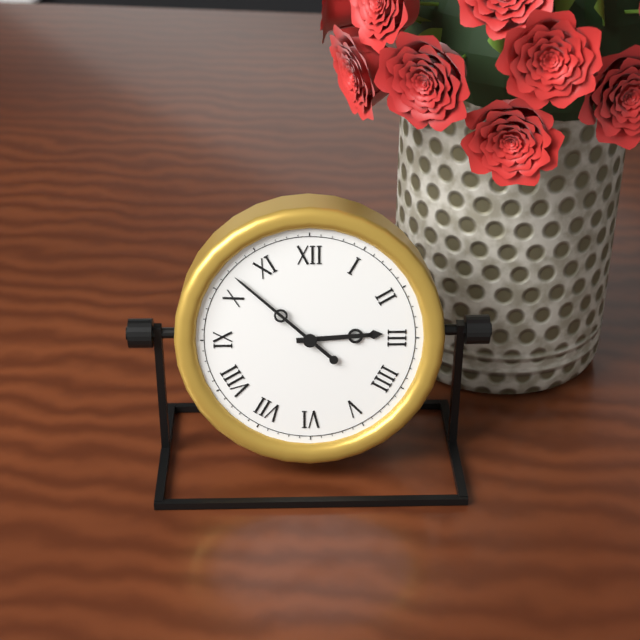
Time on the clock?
2:52
